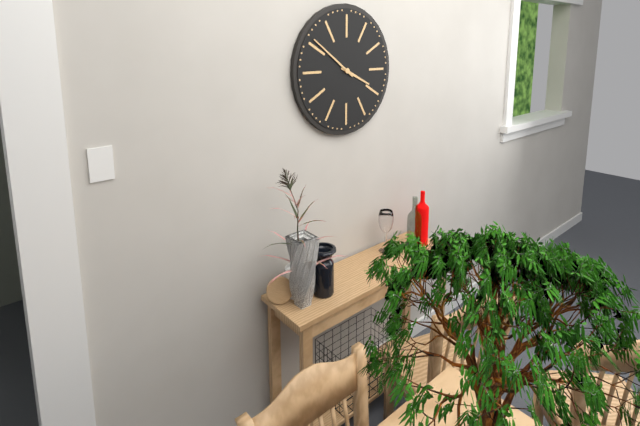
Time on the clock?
3:51
